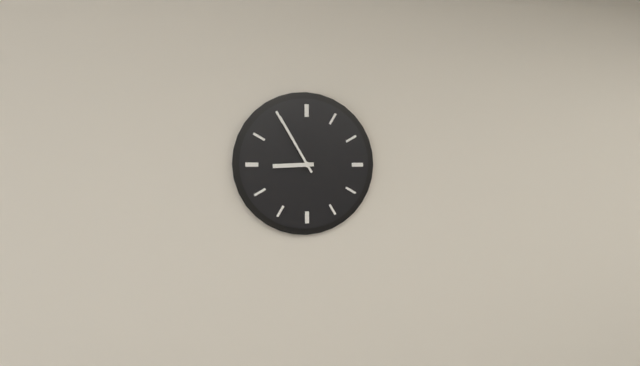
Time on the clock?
8:55
